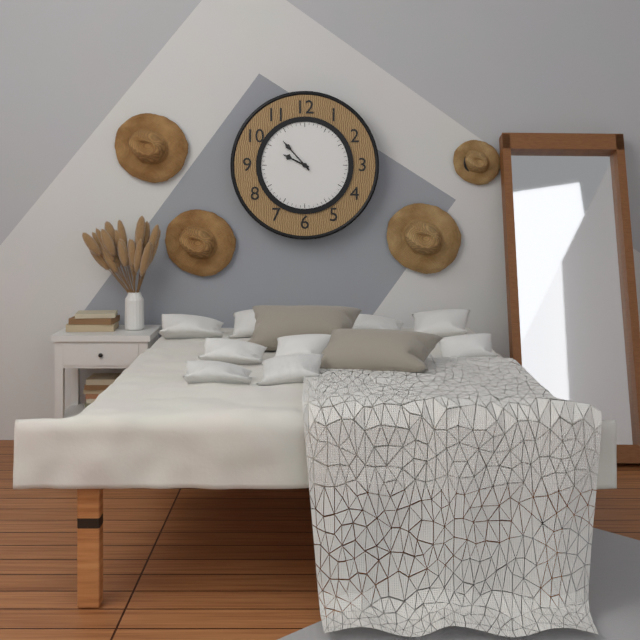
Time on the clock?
9:53
